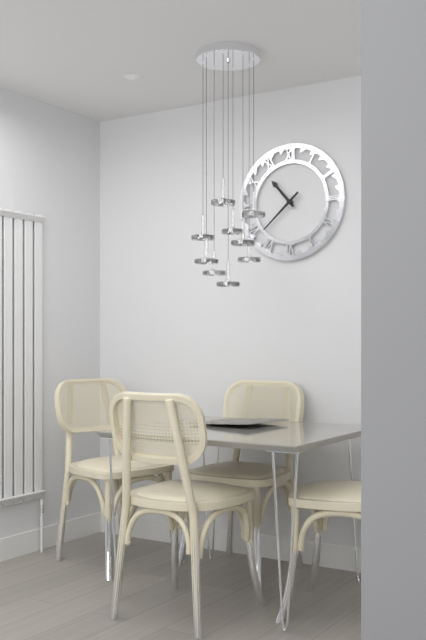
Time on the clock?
10:38
